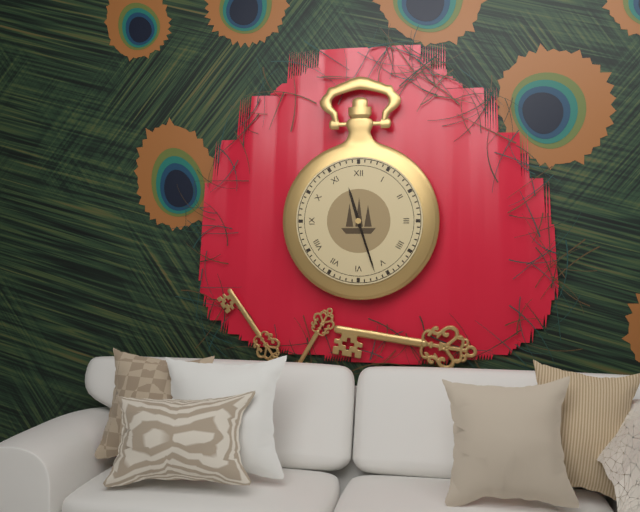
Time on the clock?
11:27
